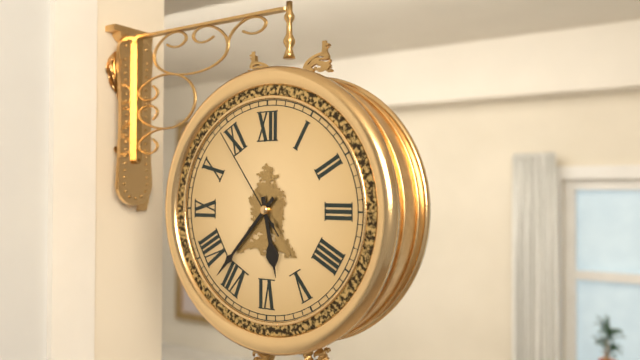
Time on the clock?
5:37:54
